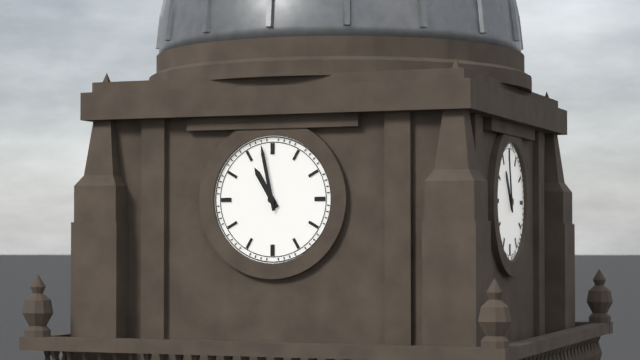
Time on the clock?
10:58
